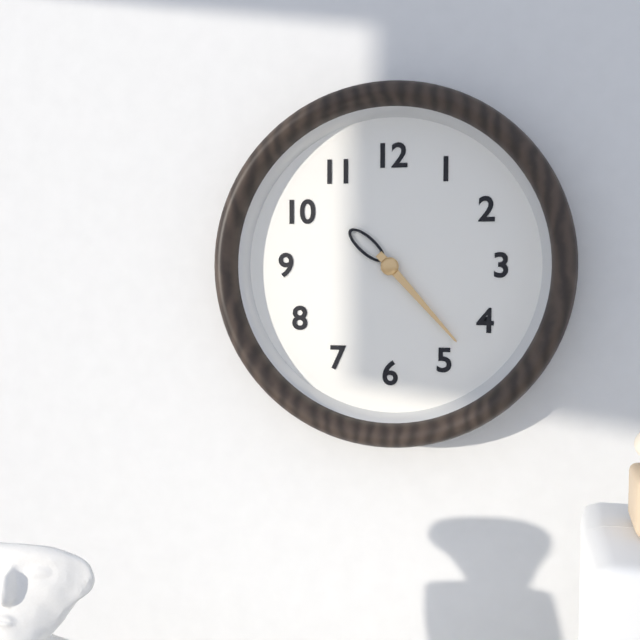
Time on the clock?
10:23
